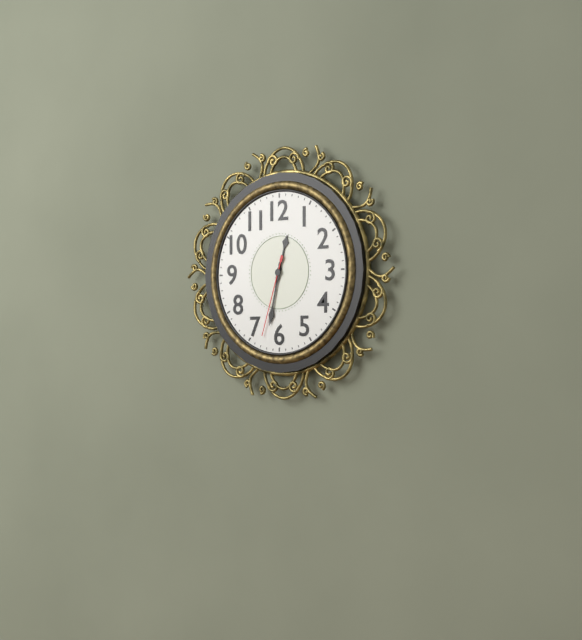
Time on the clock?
12:32:33
